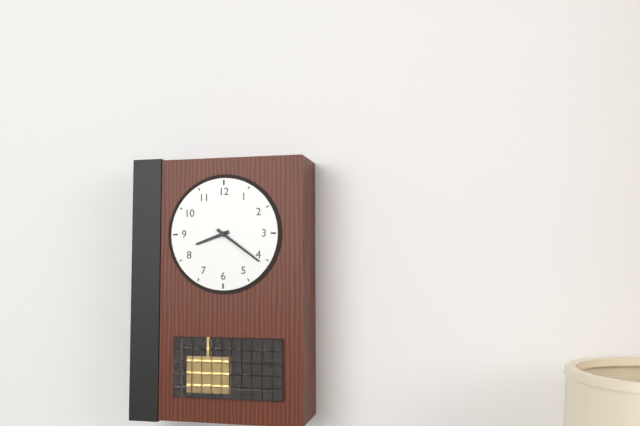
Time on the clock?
8:21
